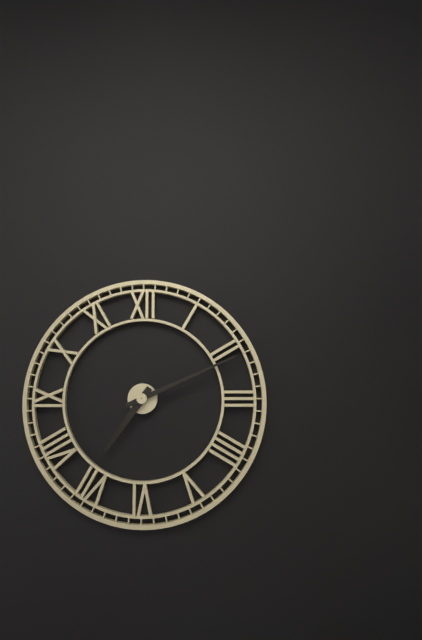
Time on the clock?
7:11
